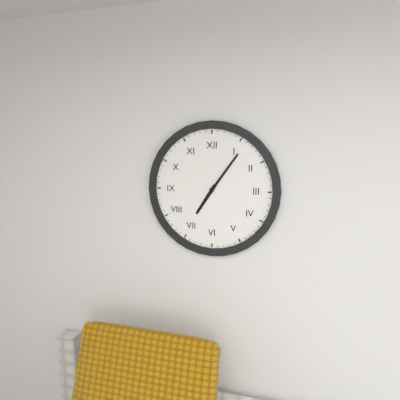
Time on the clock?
7:06
